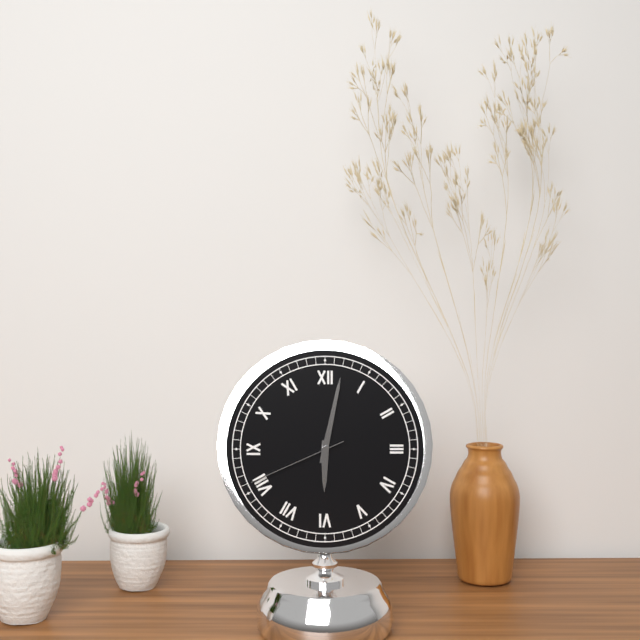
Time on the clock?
6:02:41
